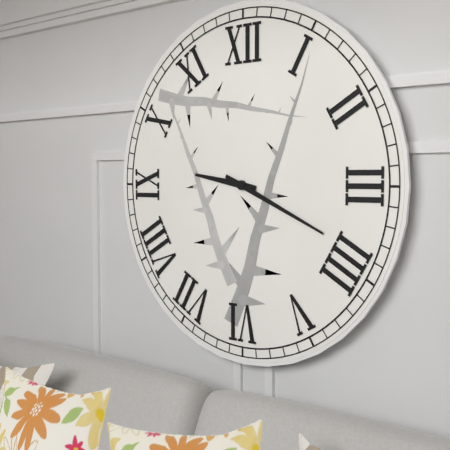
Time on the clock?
9:19
